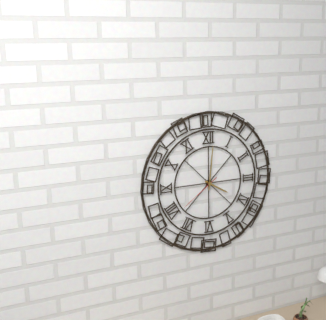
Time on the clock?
4:01
